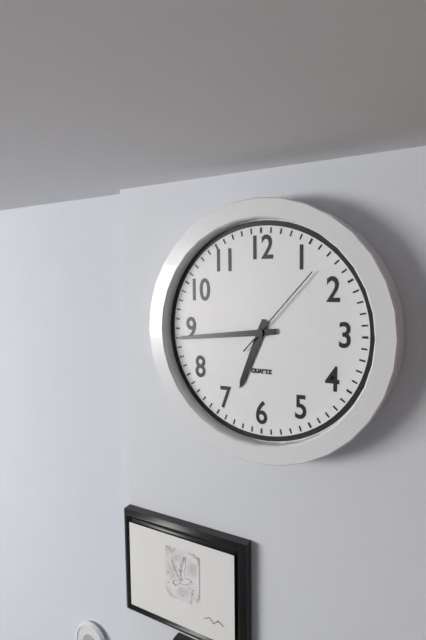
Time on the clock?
6:44:07
